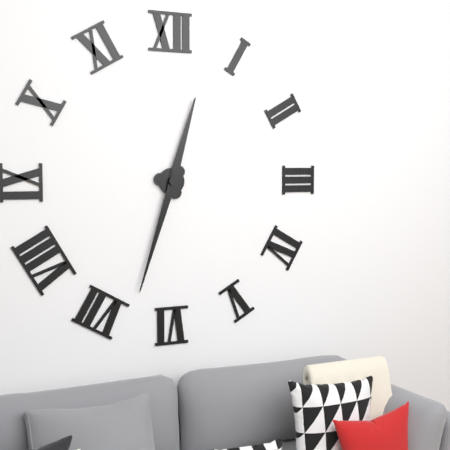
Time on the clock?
12:33
